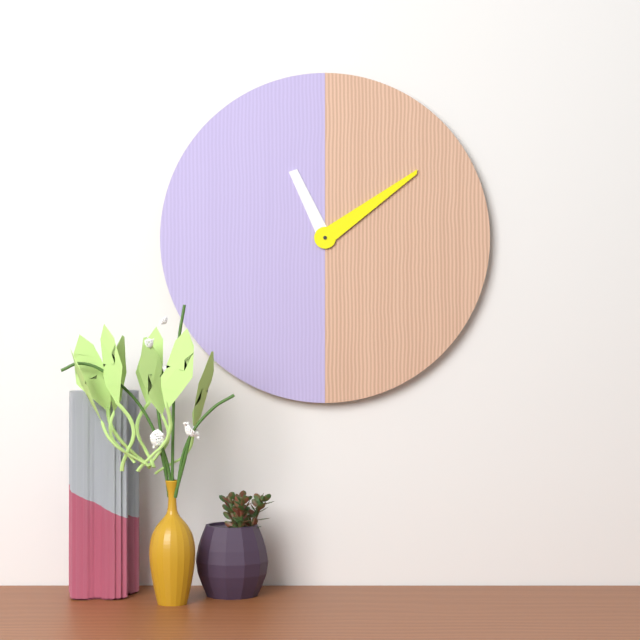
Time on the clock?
11:09
